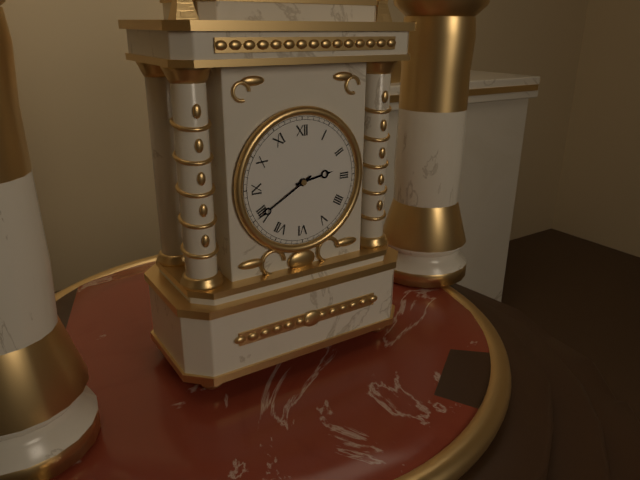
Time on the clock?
2:40
